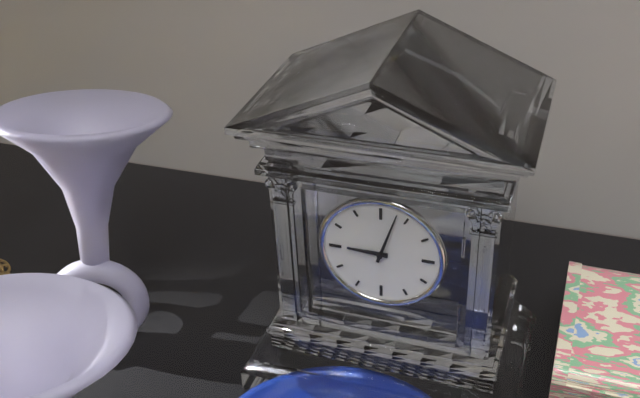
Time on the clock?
9:03
